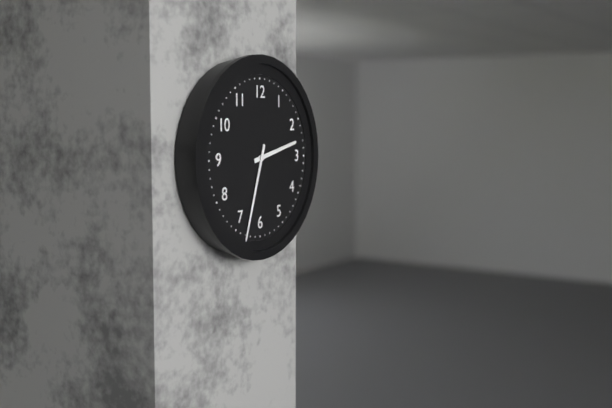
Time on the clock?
2:33
